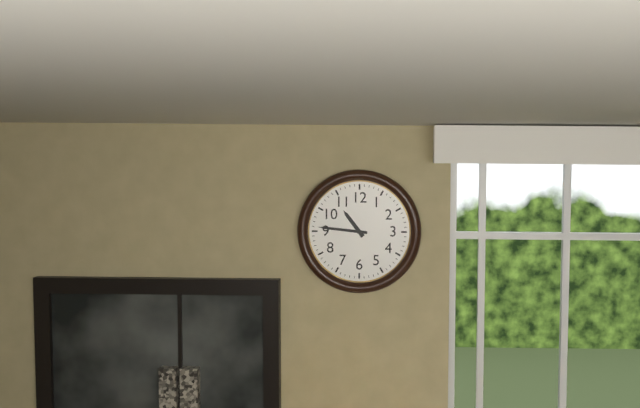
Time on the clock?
10:46
